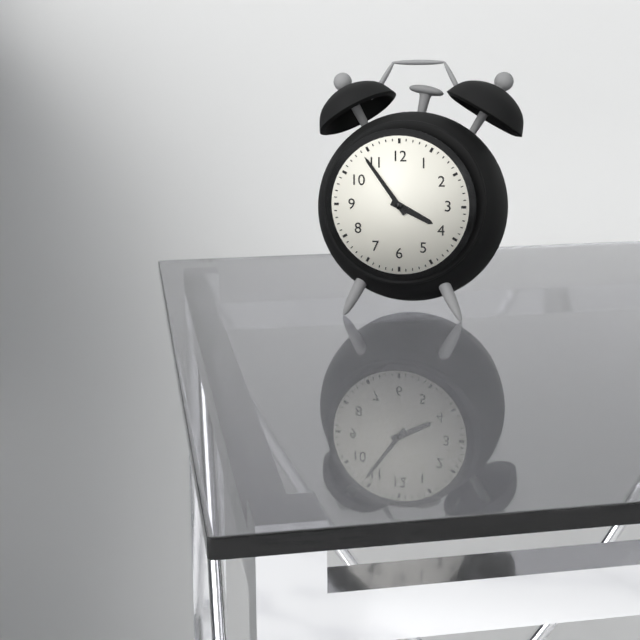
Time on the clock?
3:54
